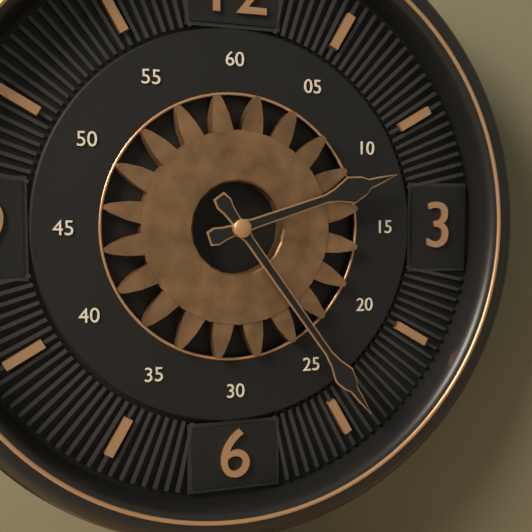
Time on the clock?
2:24
